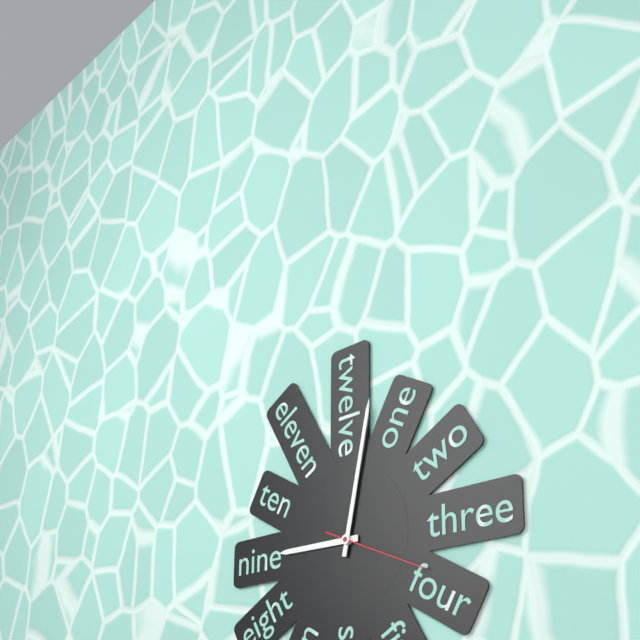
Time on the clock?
9:02:19
